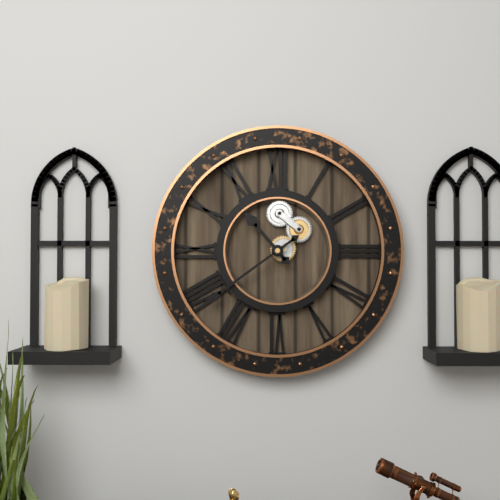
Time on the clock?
10:39
